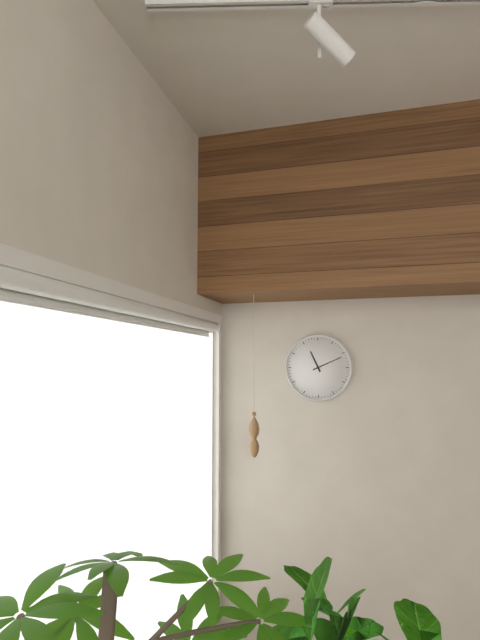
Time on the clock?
11:11
